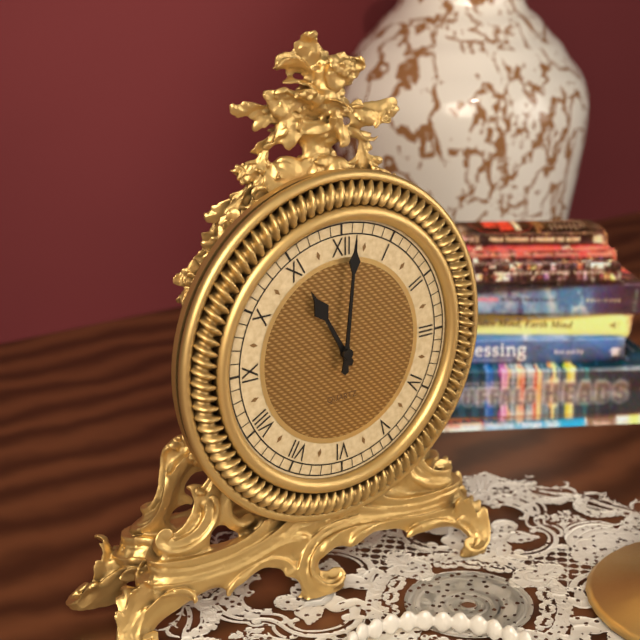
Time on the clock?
11:01
